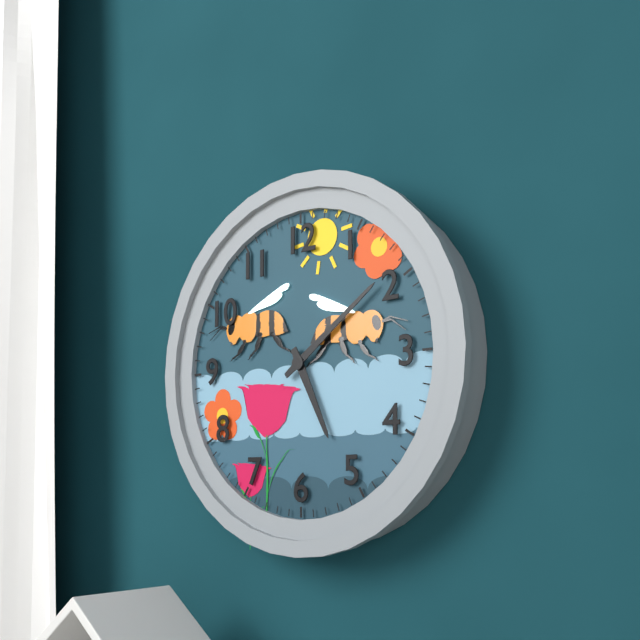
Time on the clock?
5:09
